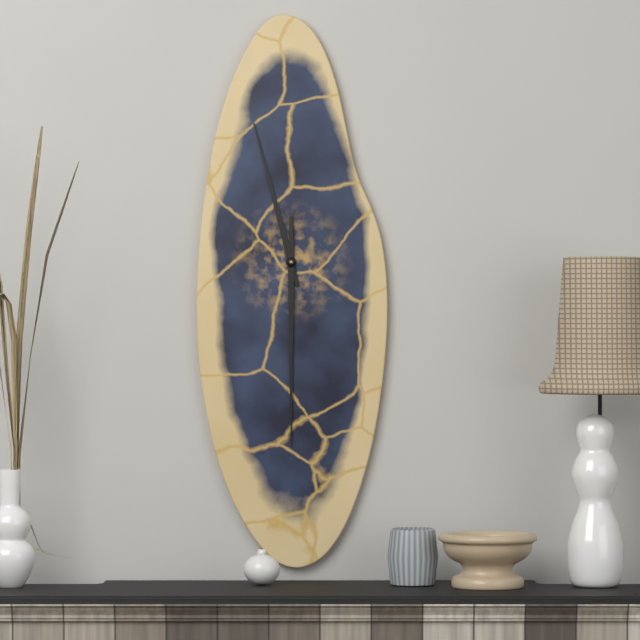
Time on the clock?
11:30
